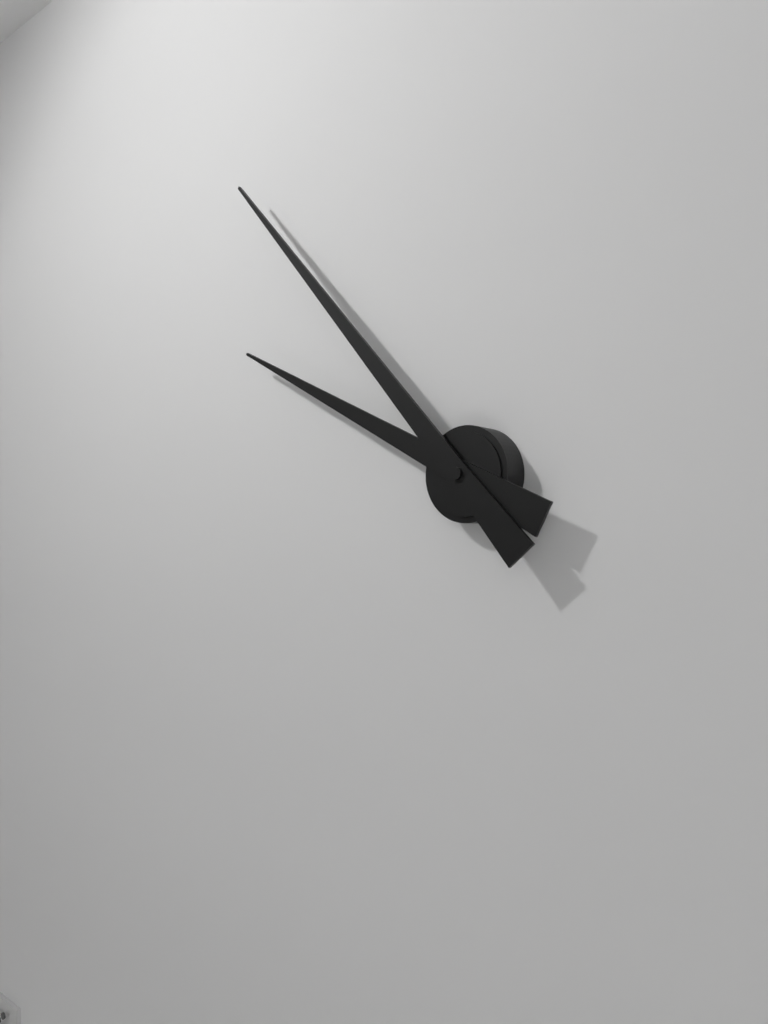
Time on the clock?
9:53
